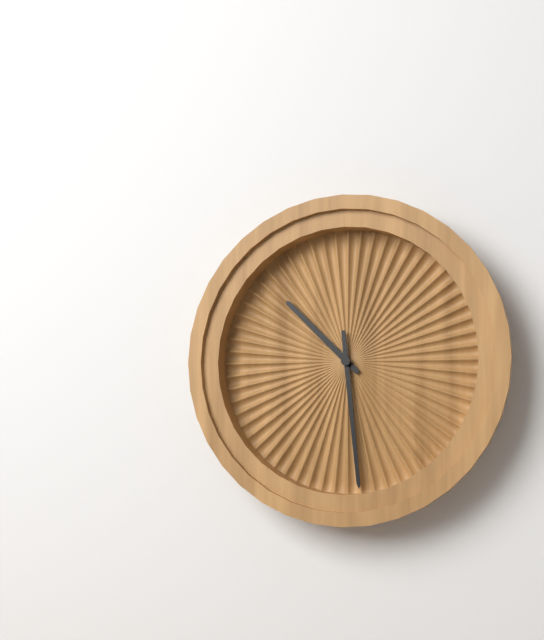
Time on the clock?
10:29
